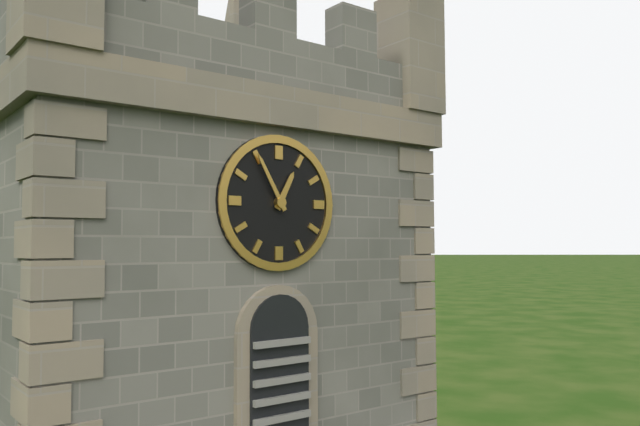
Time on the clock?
12:55
